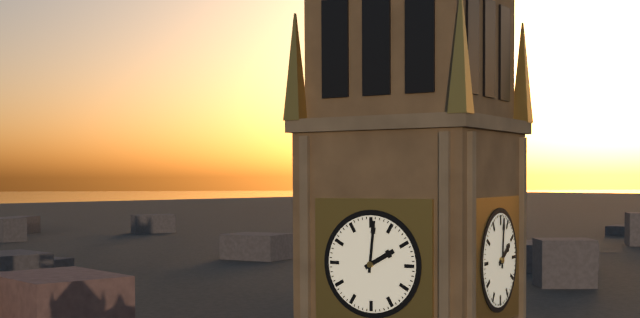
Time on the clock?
2:01
